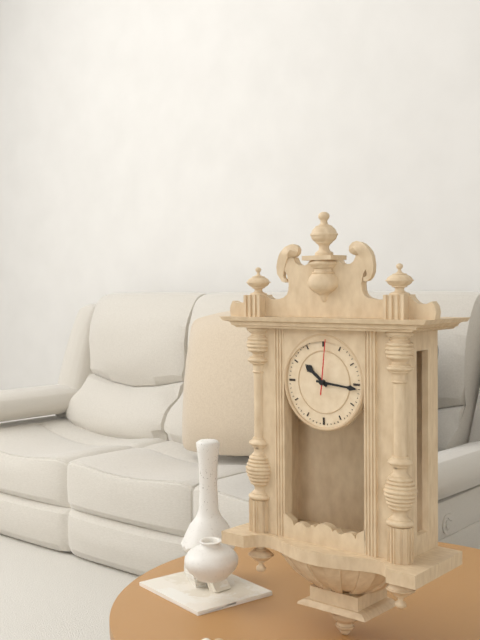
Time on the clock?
10:16:01
